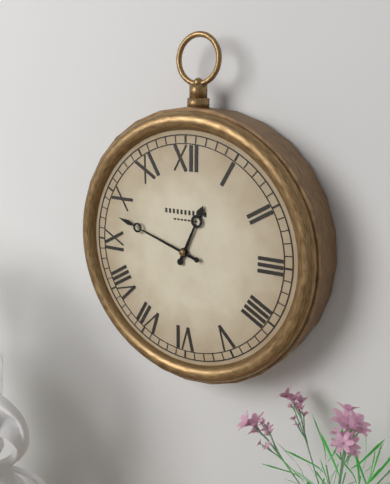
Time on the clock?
12:48
